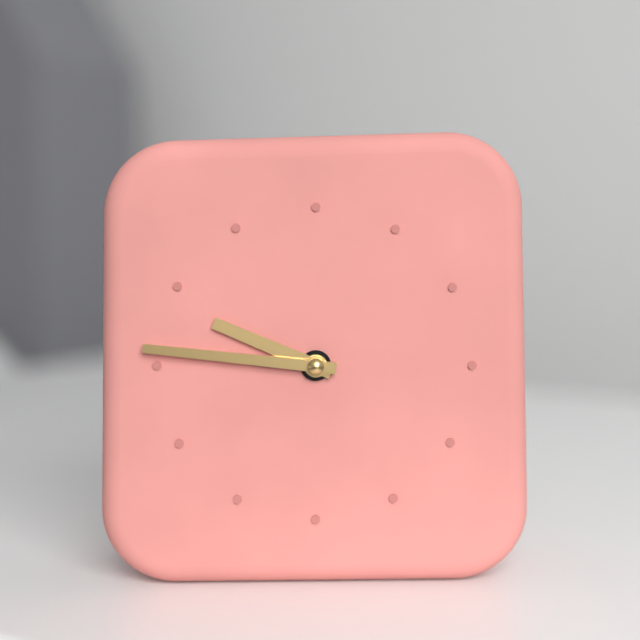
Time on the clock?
9:46
